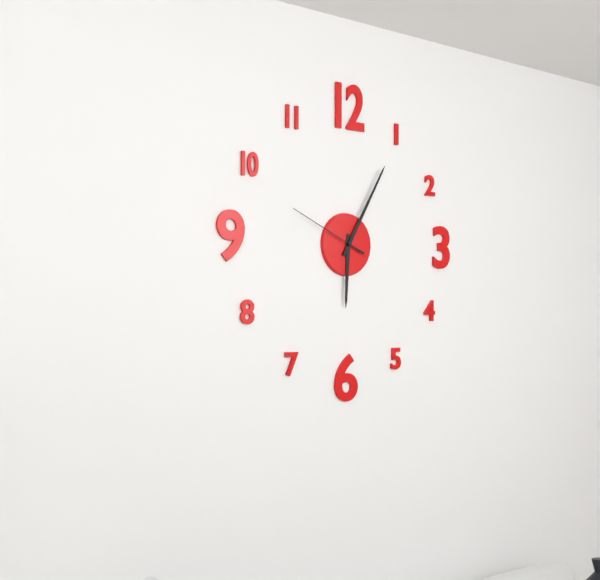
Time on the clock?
6:05:49
